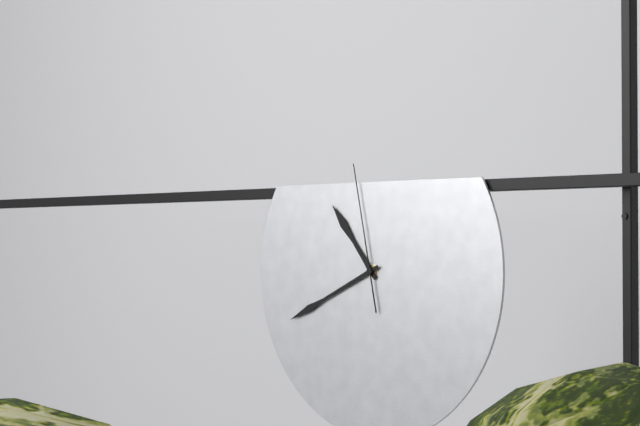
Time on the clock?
10:41:58
